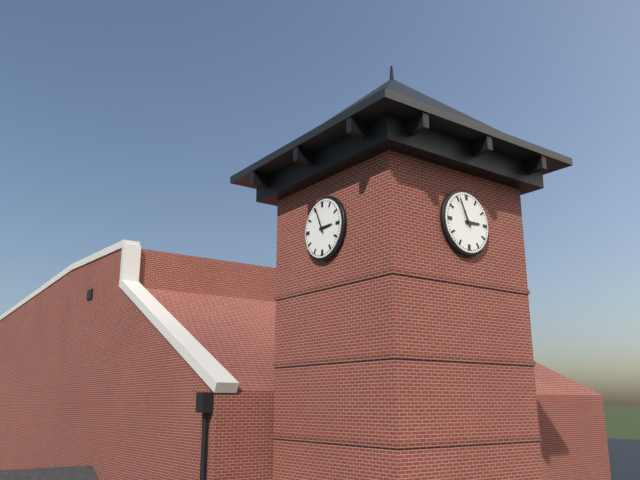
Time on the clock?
2:56
